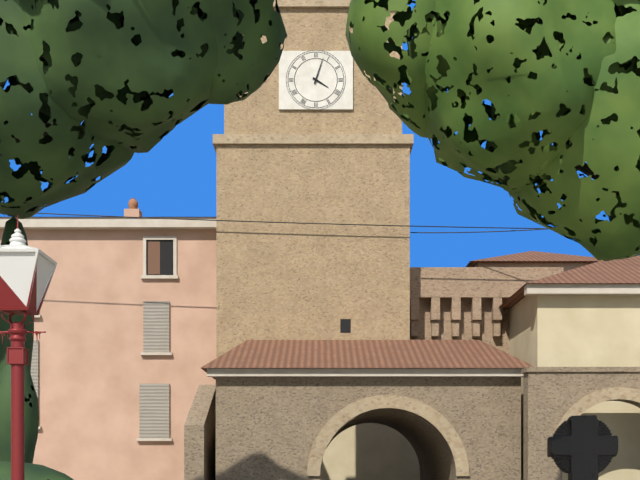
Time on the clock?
4:03
